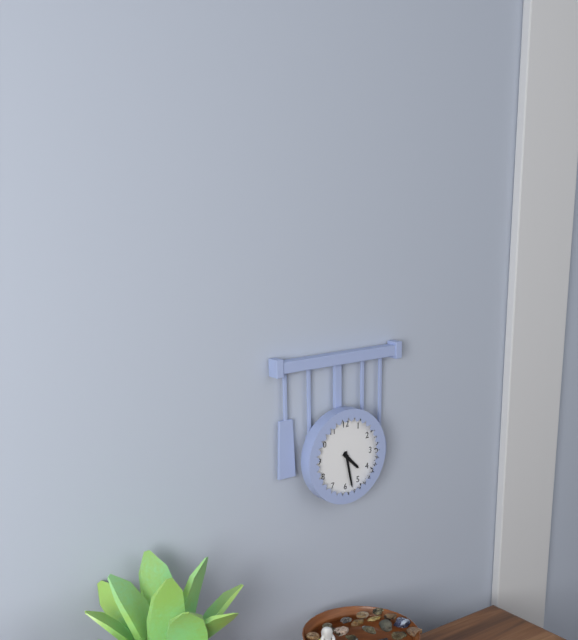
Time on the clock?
4:28
